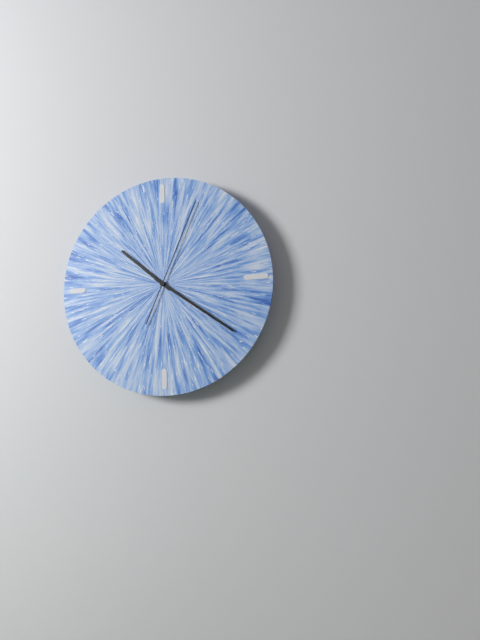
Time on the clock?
10:21:04
